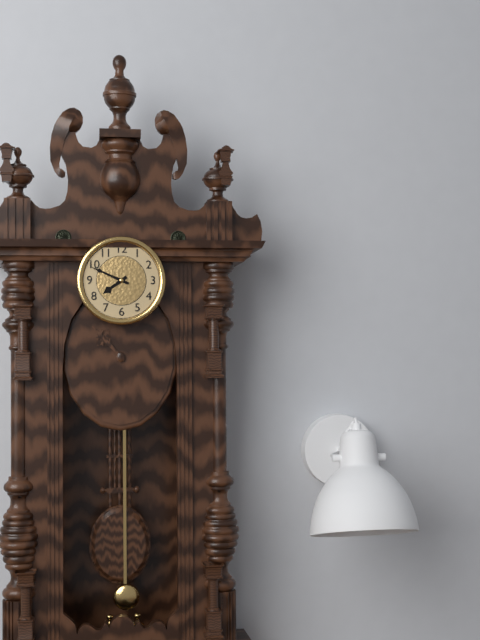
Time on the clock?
7:49
